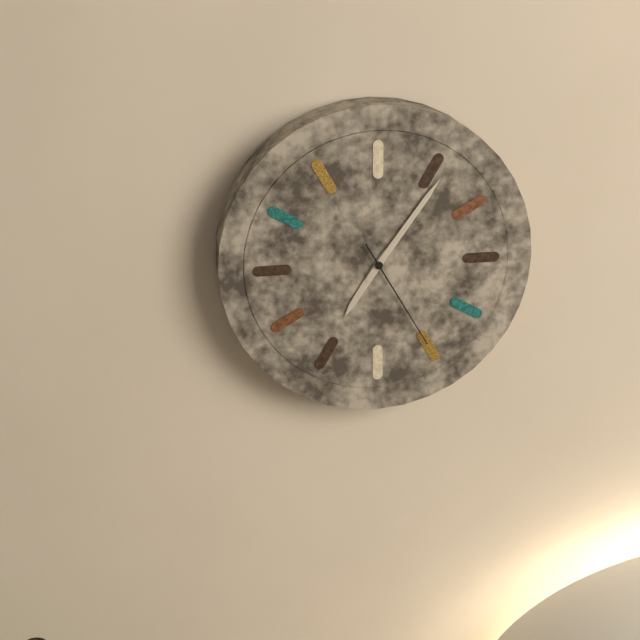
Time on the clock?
7:06:25
